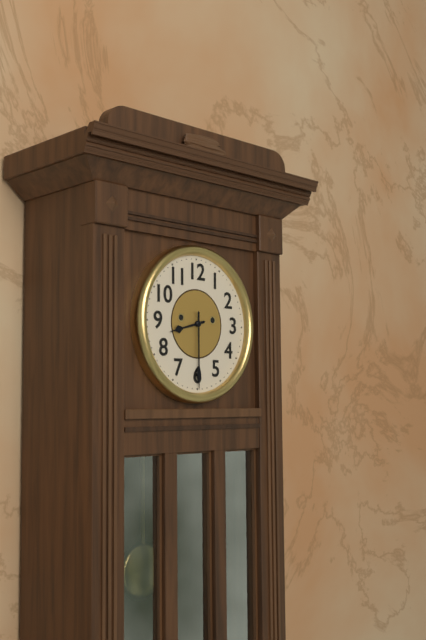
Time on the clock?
8:30
